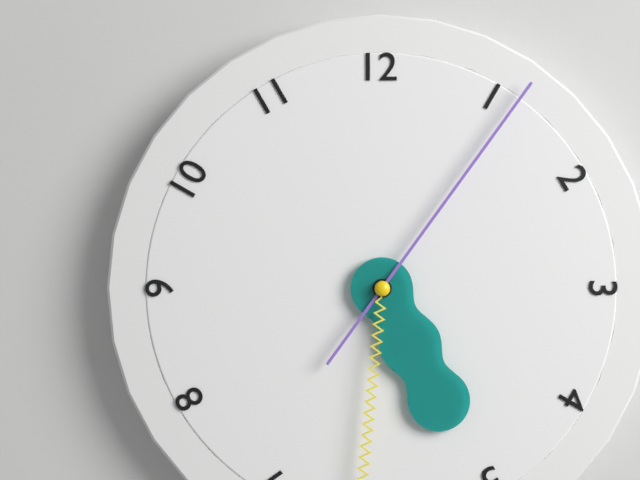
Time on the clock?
5:06
